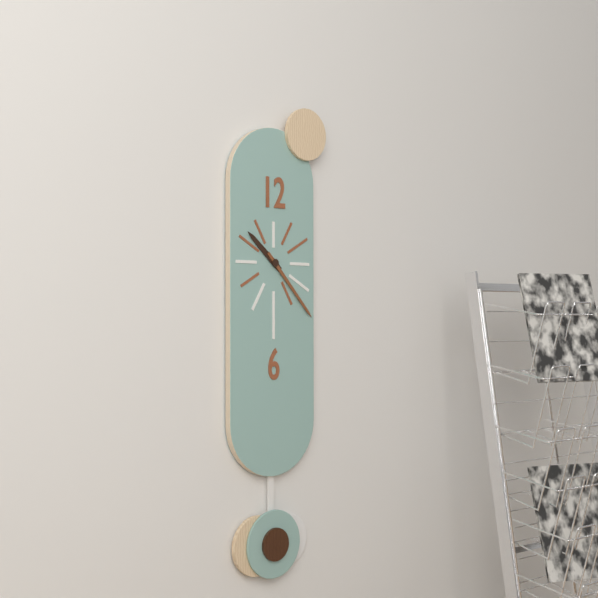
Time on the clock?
10:23
